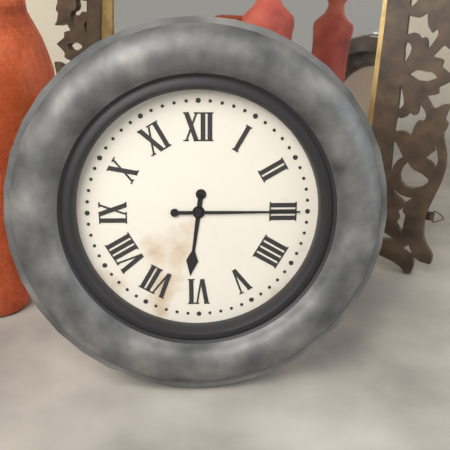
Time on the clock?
6:15
